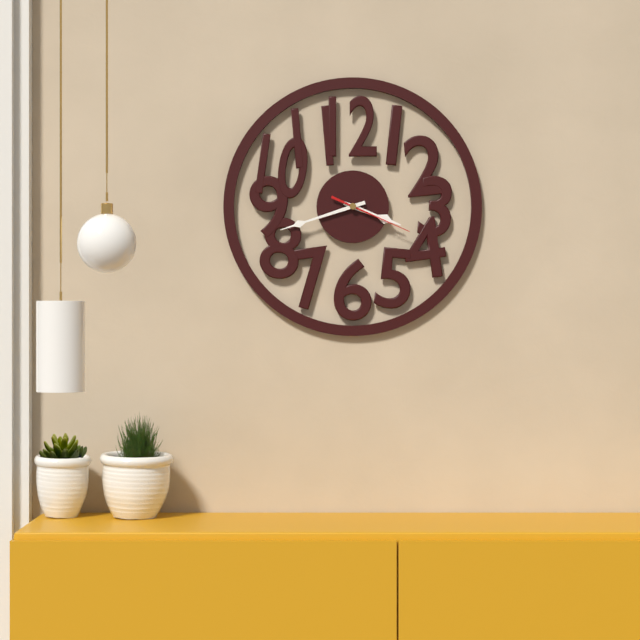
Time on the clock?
3:42:19
